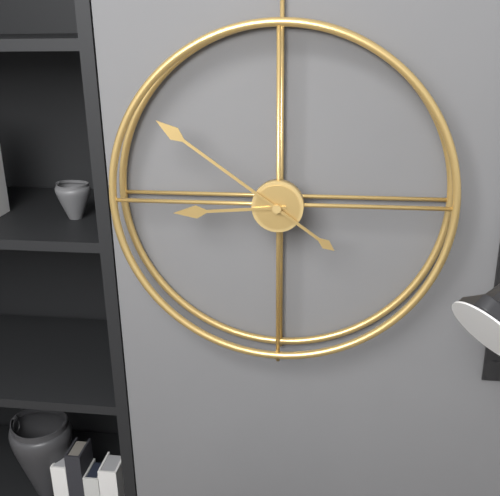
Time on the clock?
8:51
